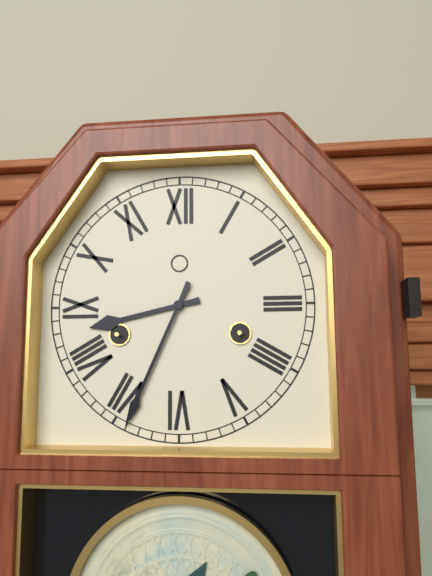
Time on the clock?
8:34
